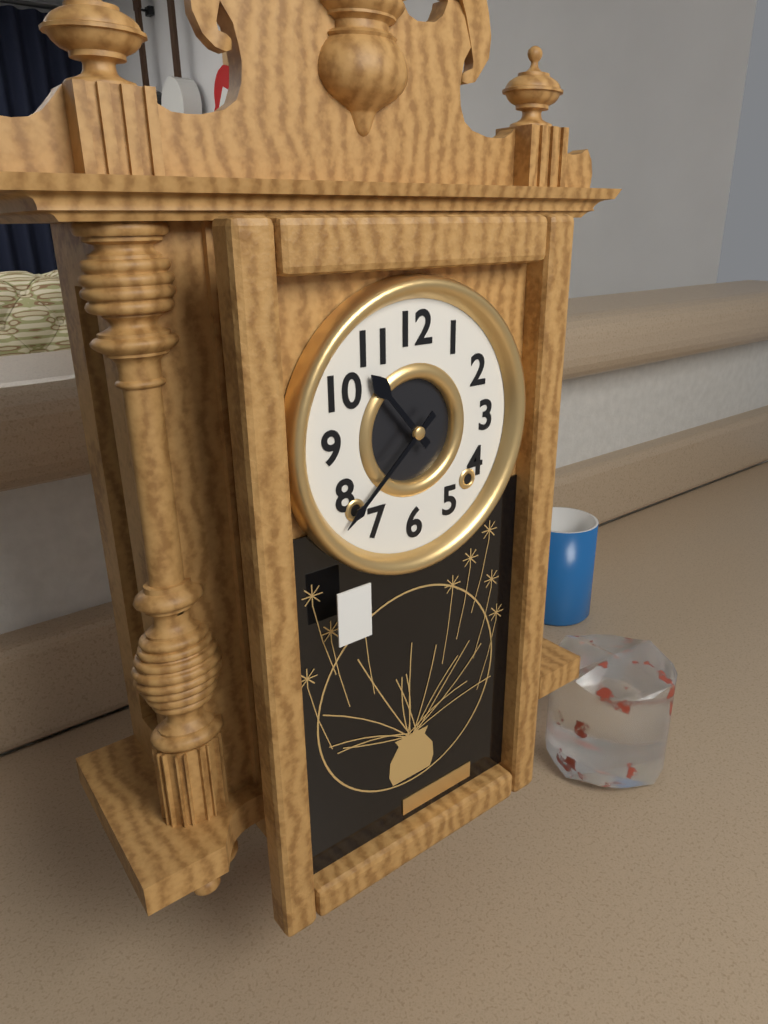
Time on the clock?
10:38
